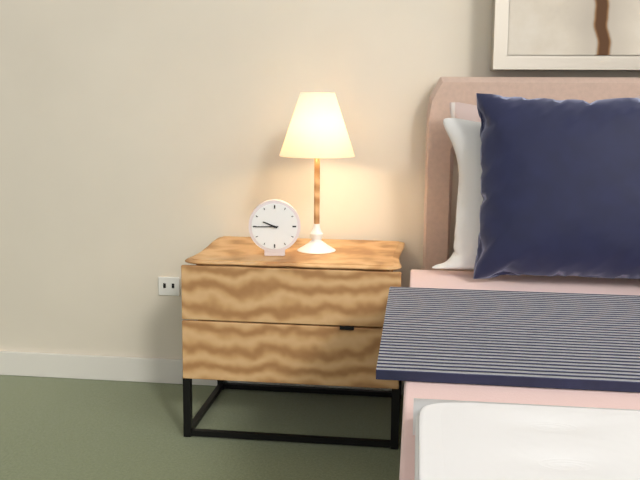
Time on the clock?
9:45
